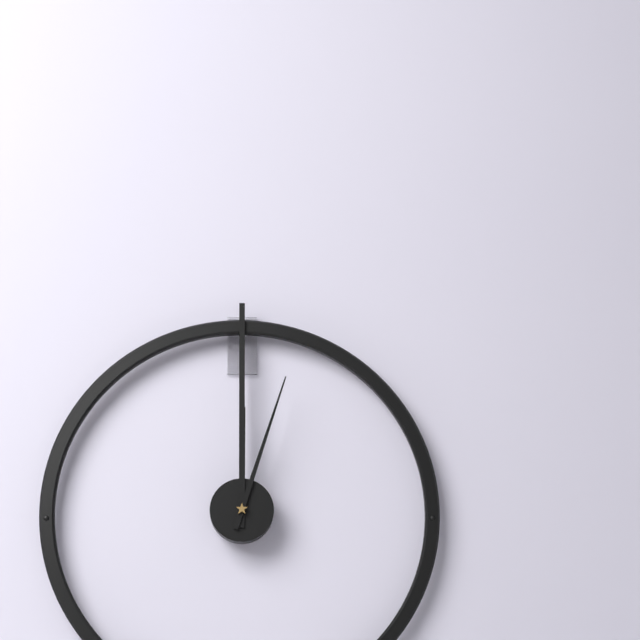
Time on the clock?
12:03
